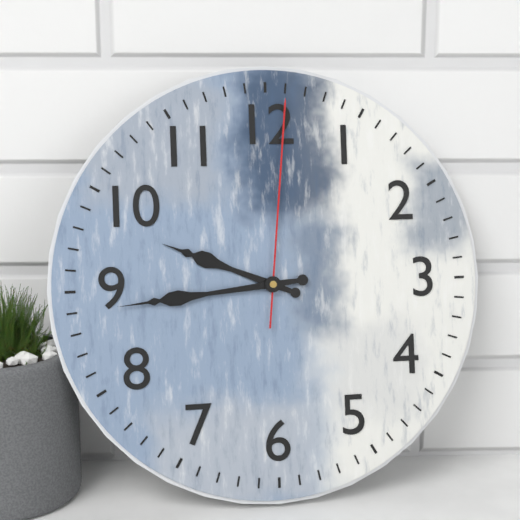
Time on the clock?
9:44:01
